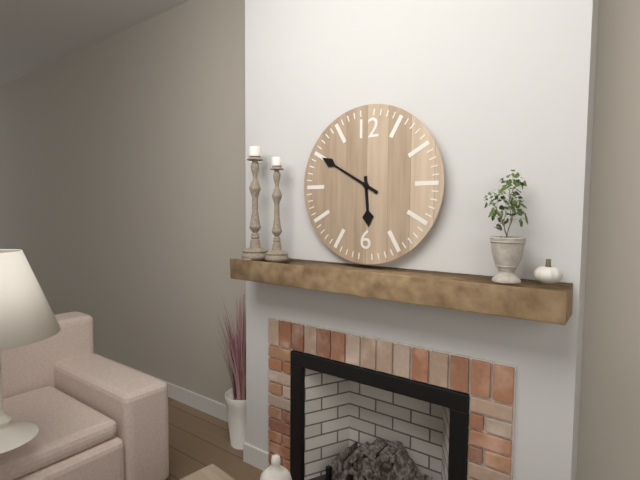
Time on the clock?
5:50
